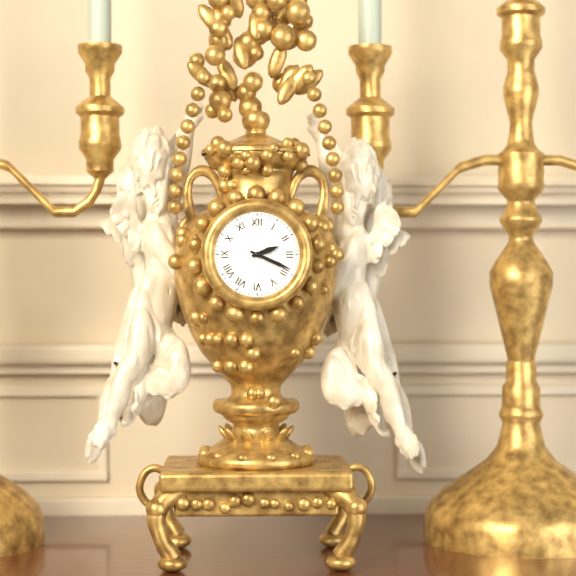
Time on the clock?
2:19
